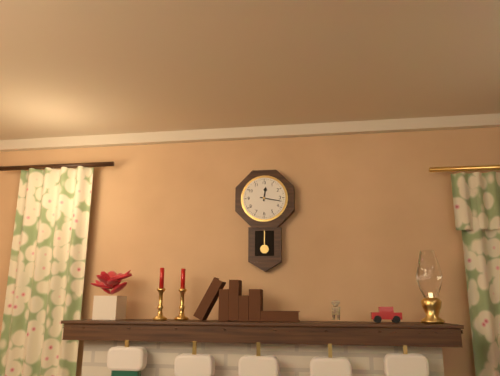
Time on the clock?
12:17
